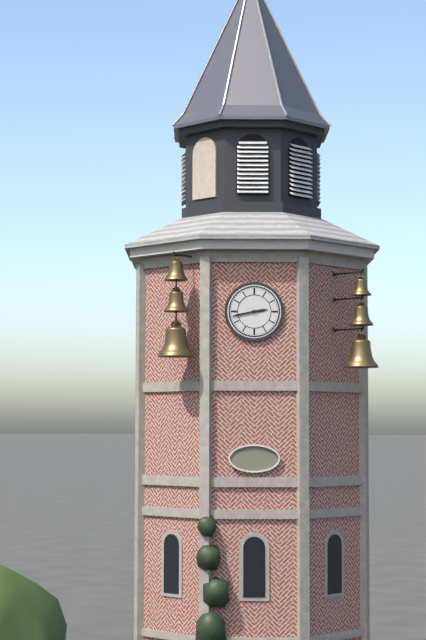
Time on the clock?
2:43
